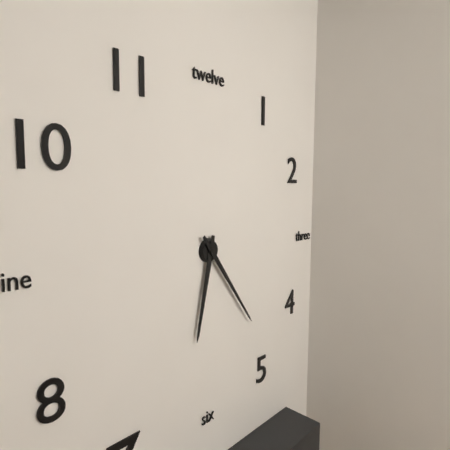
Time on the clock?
6:24
